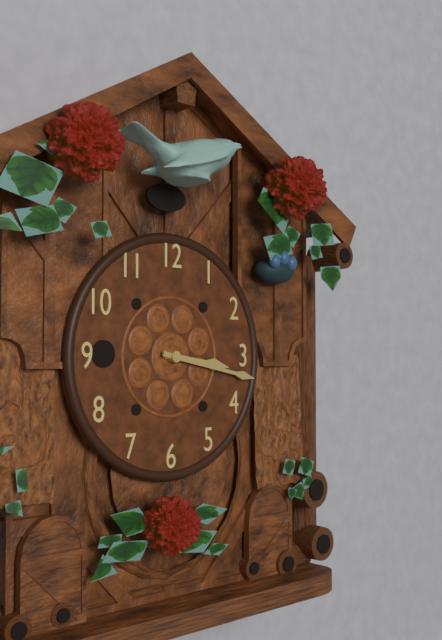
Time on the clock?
3:17
